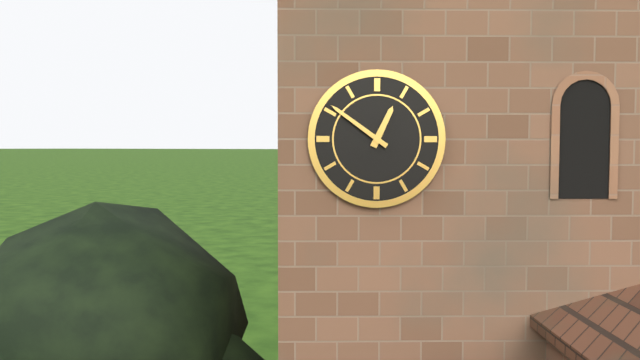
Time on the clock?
12:51
